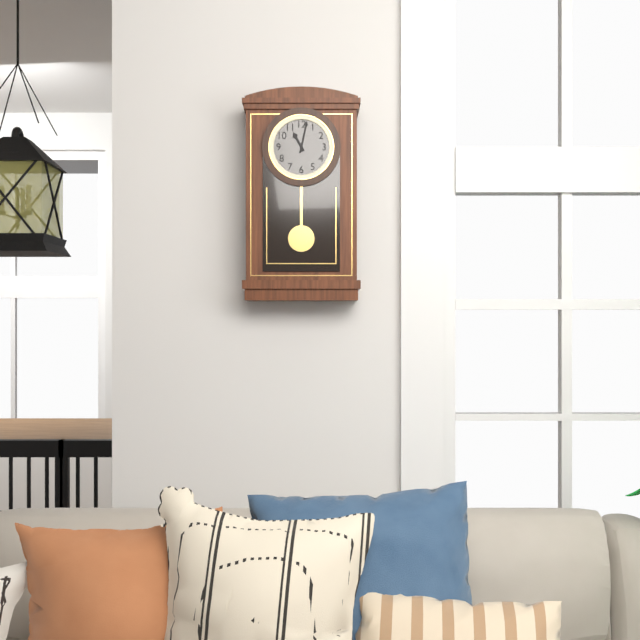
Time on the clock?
11:02
